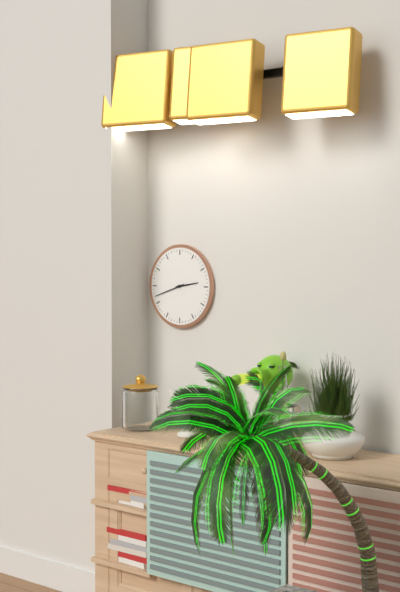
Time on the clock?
2:42
